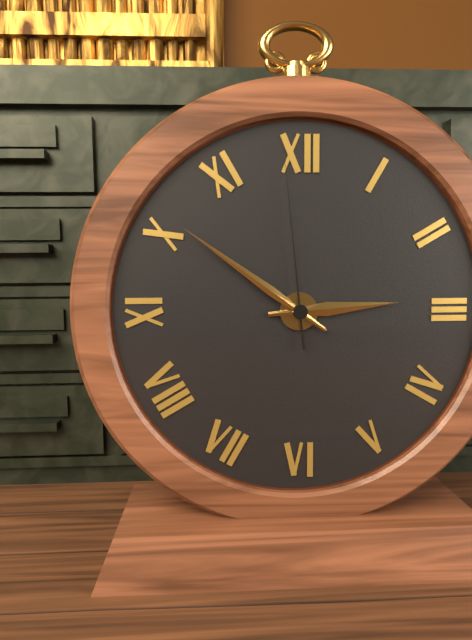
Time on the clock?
2:51:59
